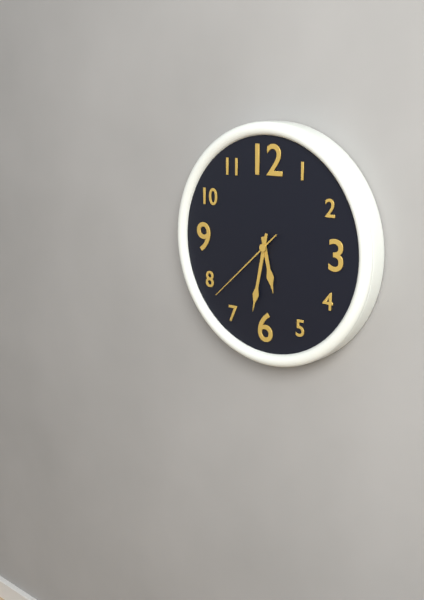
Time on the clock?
5:32:38
